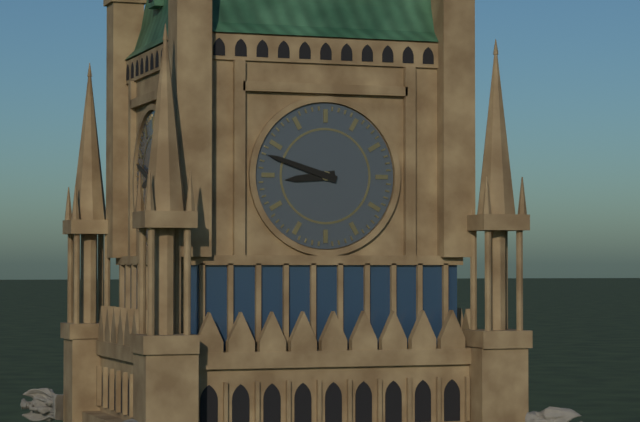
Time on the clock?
8:48
